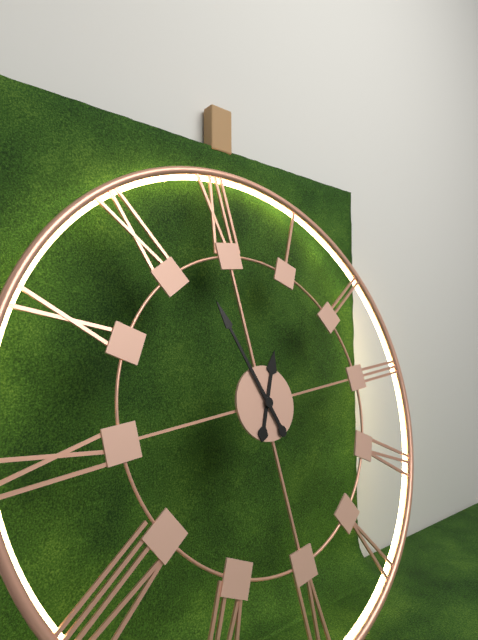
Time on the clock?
12:57
